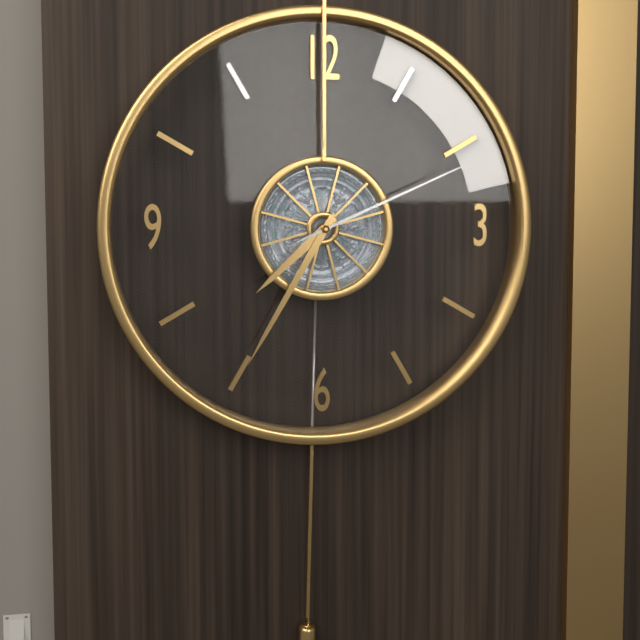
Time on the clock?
7:35:11
